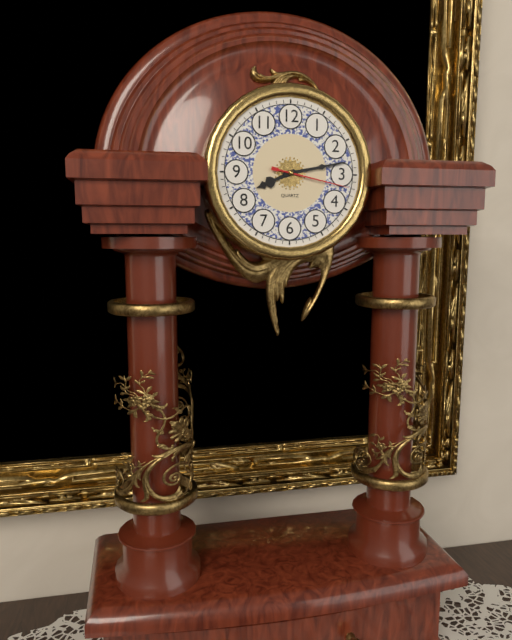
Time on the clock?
8:13:17
